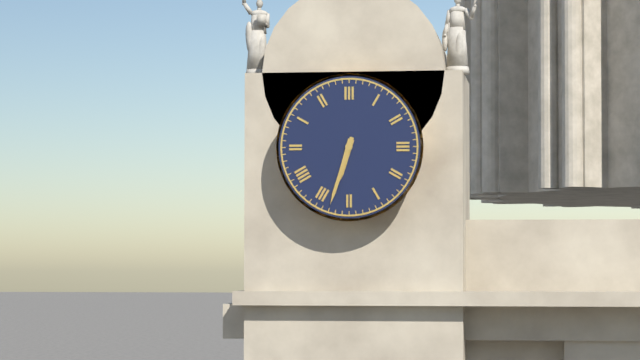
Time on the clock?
6:33
